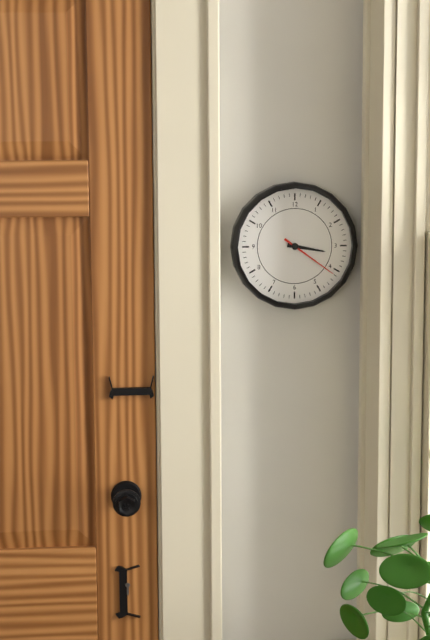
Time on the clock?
3:21
